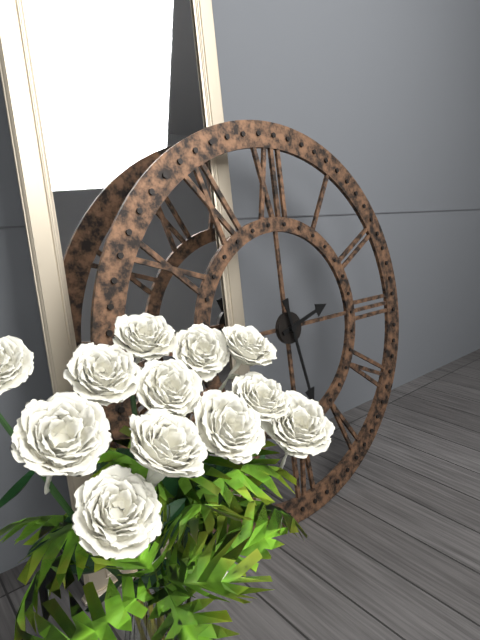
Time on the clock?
2:28
